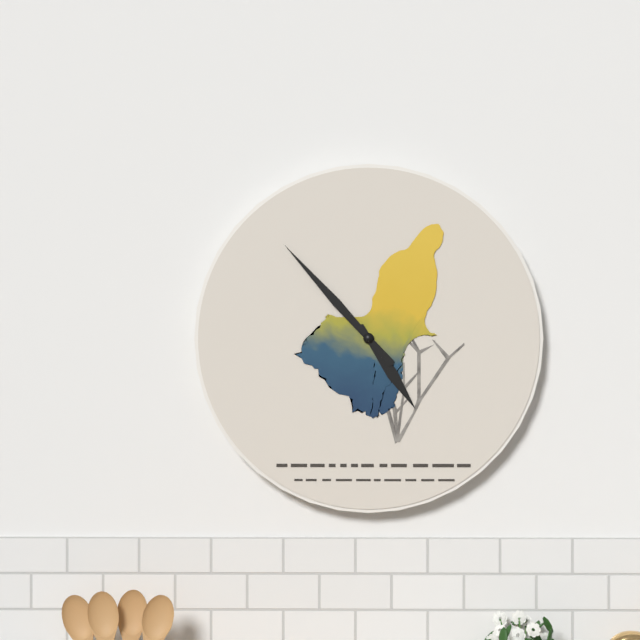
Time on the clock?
4:53
